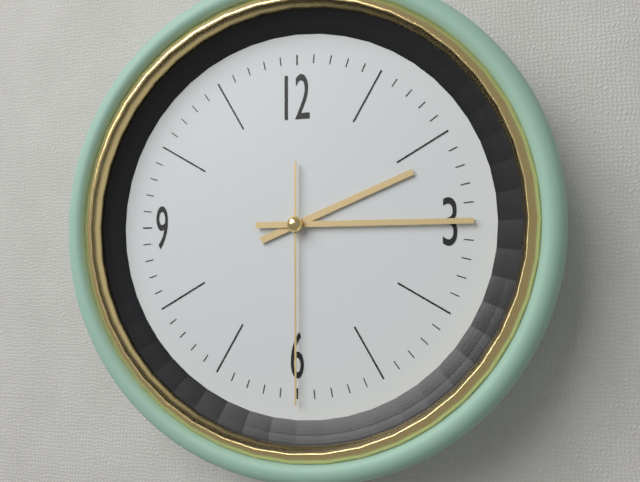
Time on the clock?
2:15:30
